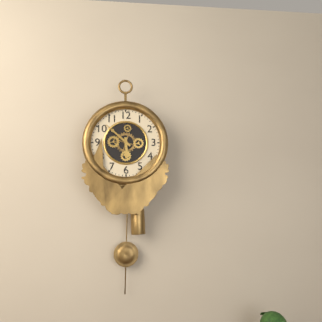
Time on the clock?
5:52
